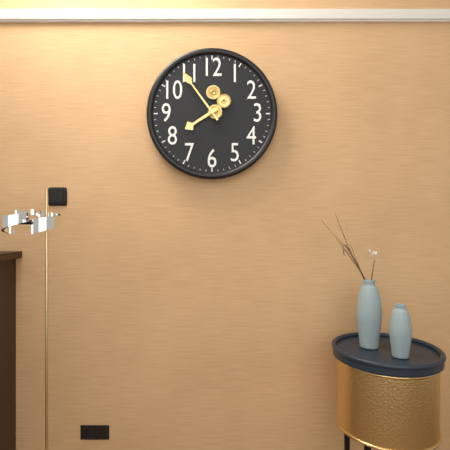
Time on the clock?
7:54
